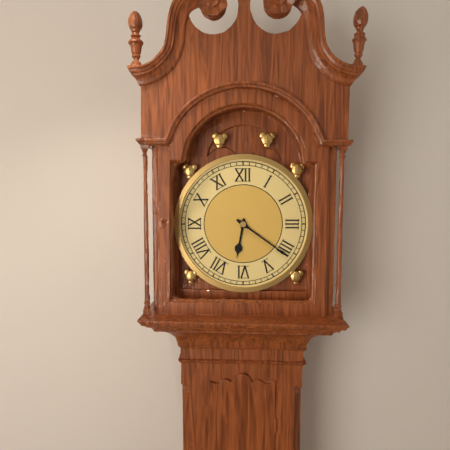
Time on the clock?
6:21
